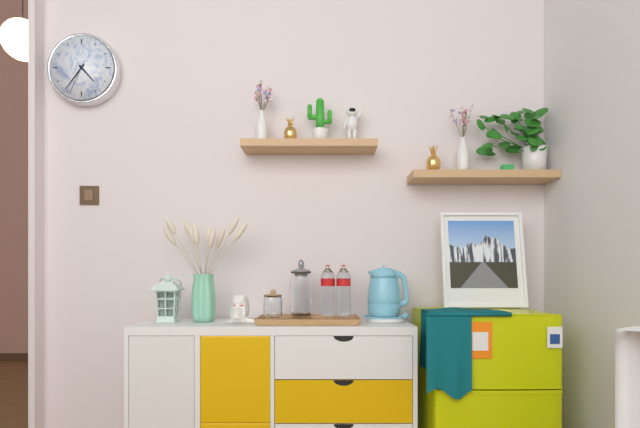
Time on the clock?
4:36
